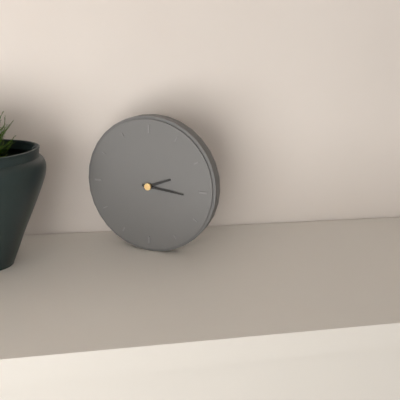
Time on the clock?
2:16
